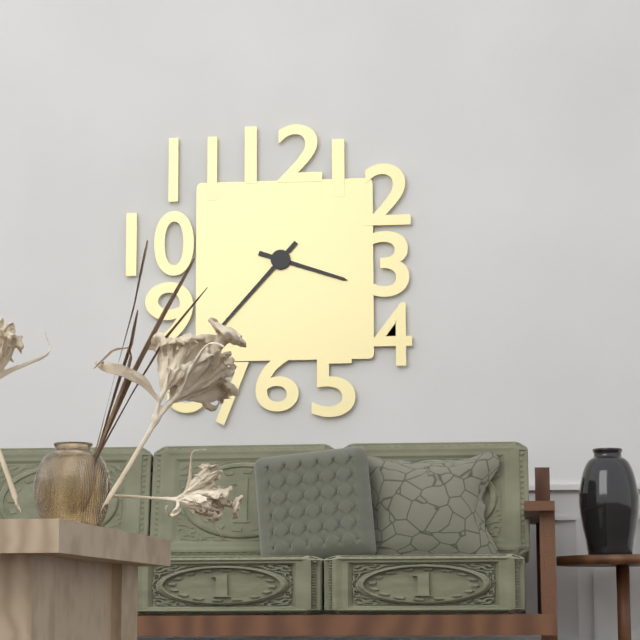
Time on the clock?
3:37
